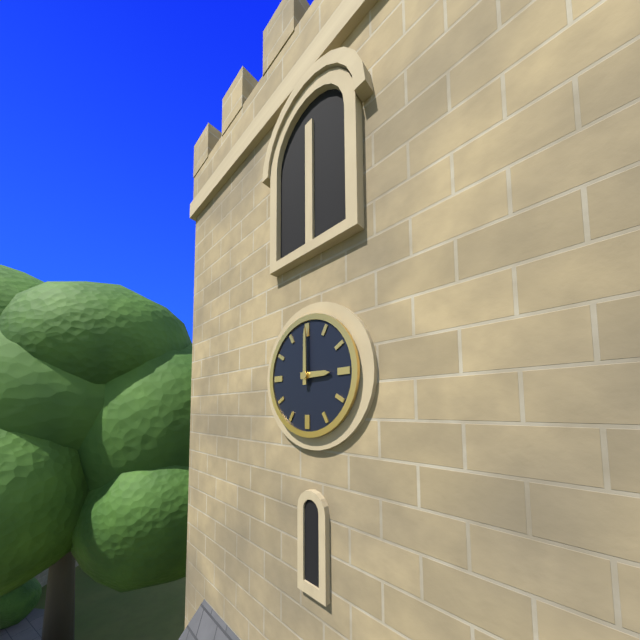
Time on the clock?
3:00
